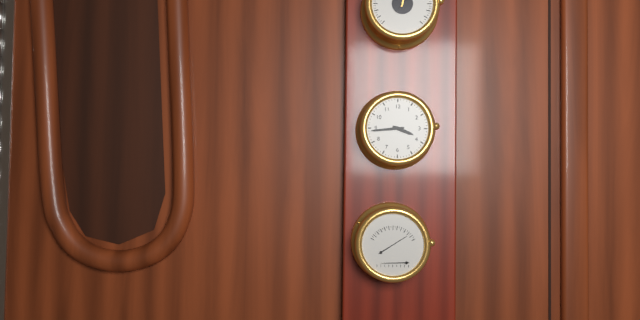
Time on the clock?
3:44
